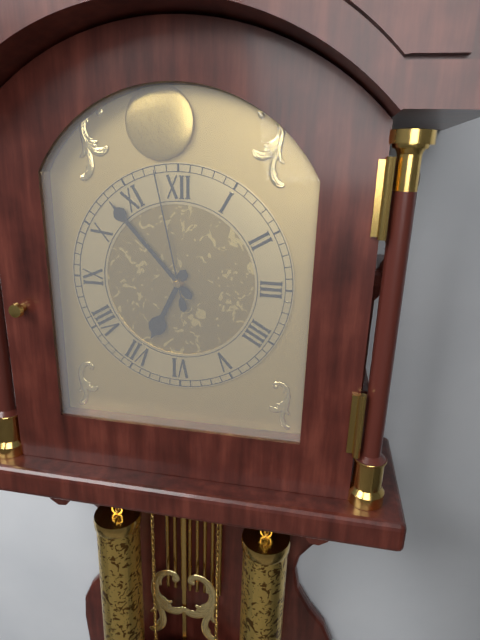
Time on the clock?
6:53:58
